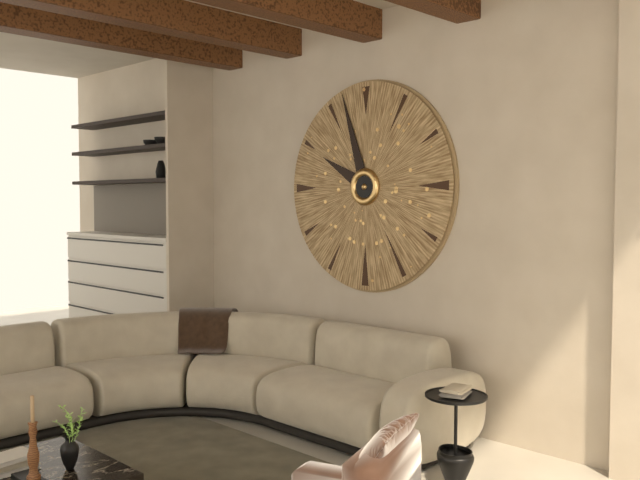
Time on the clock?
9:57
